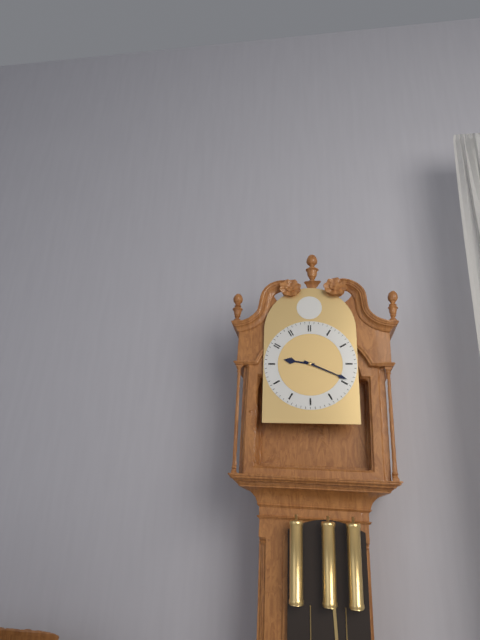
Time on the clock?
9:19
